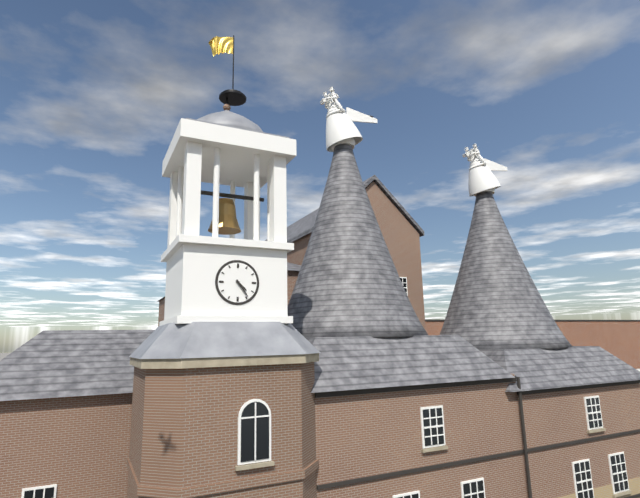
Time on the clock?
4:24
